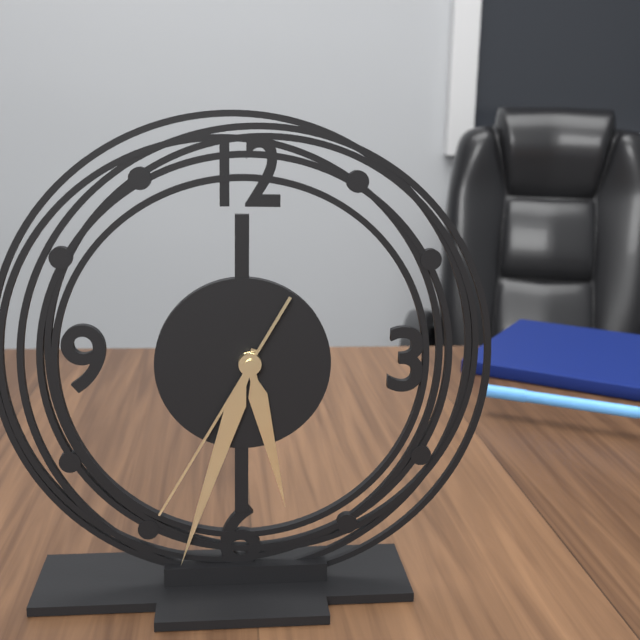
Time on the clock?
5:33:35
